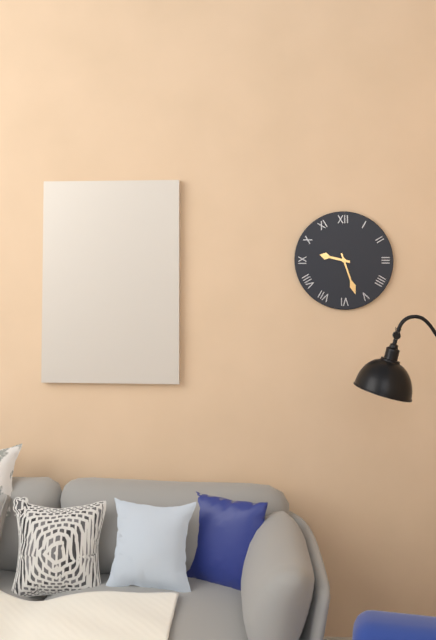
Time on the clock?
9:27
